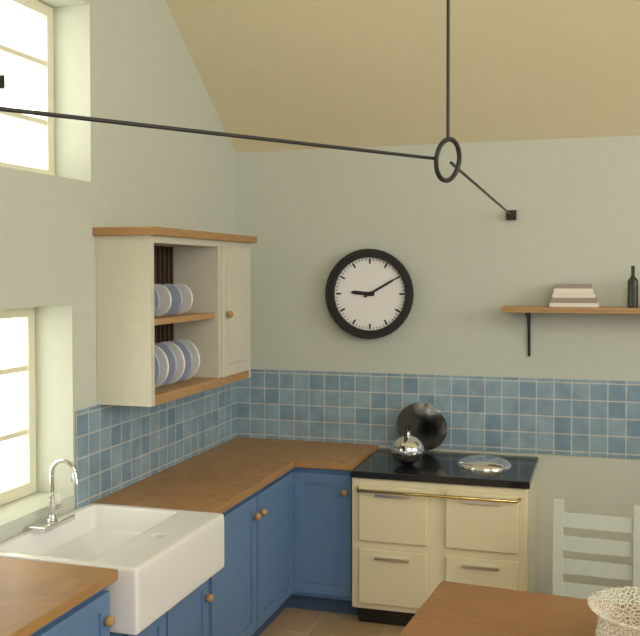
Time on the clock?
9:10
